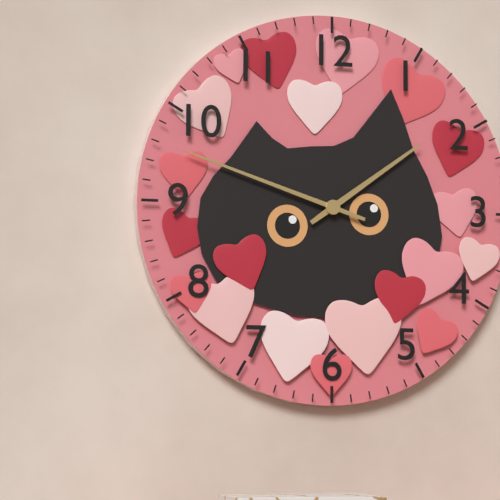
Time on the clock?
1:48
